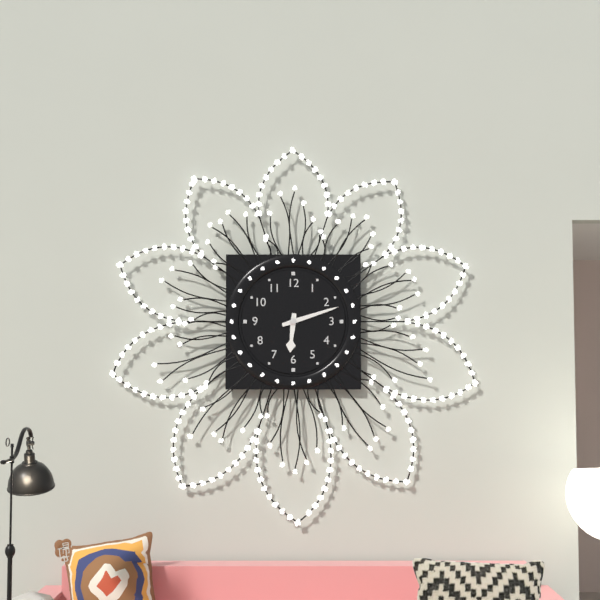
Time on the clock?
6:12
